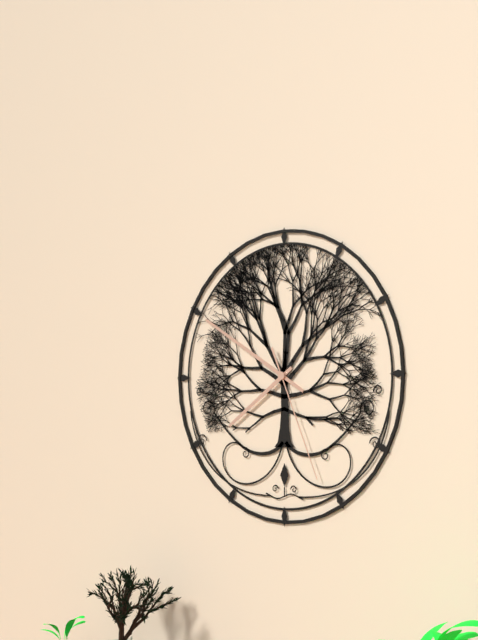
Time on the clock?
7:50:26
